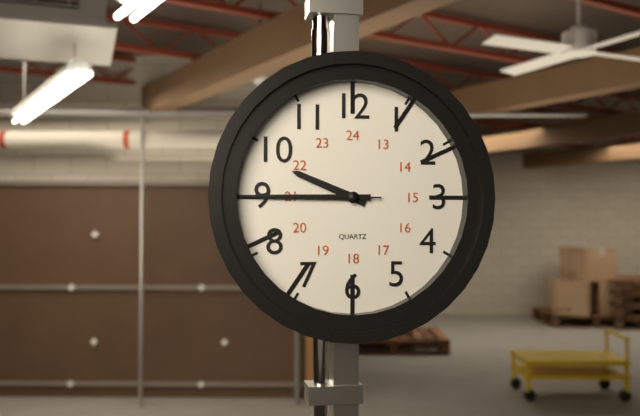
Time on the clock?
9:45:45
